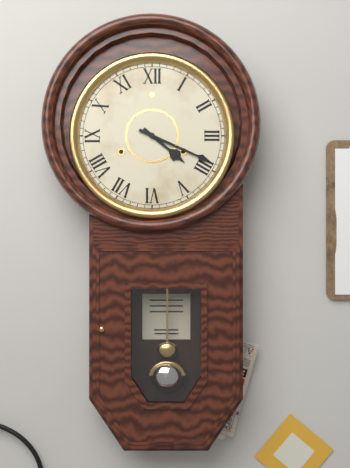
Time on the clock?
4:19
